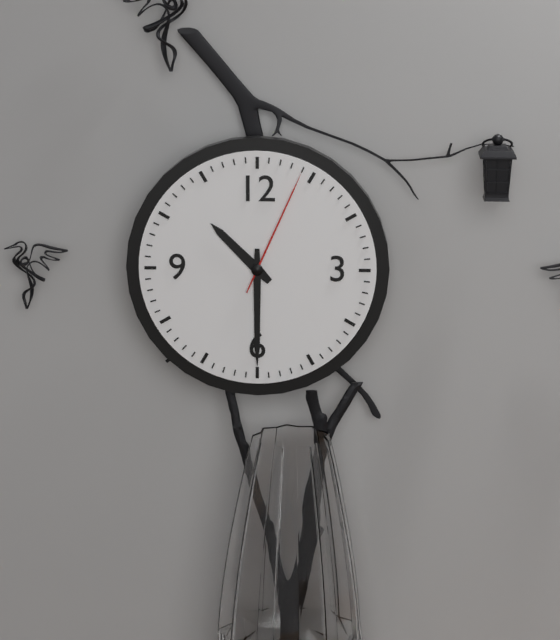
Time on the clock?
10:30:04
